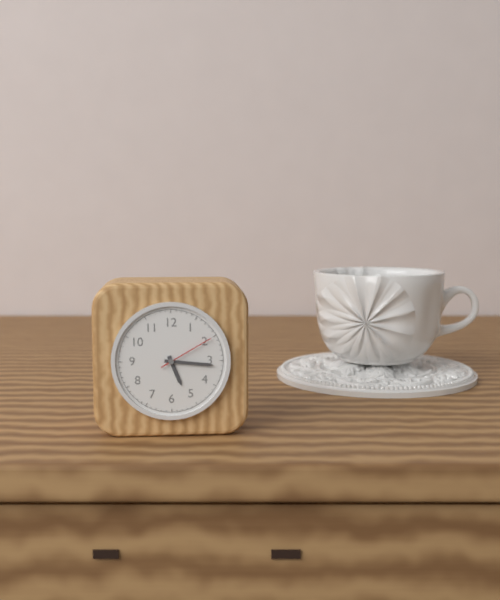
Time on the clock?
5:16:10
